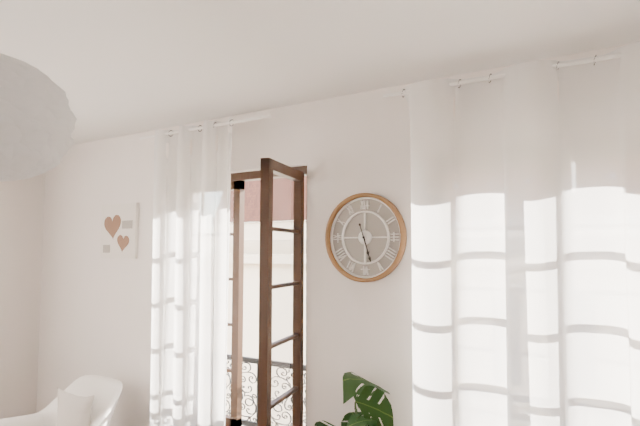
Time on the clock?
5:27
